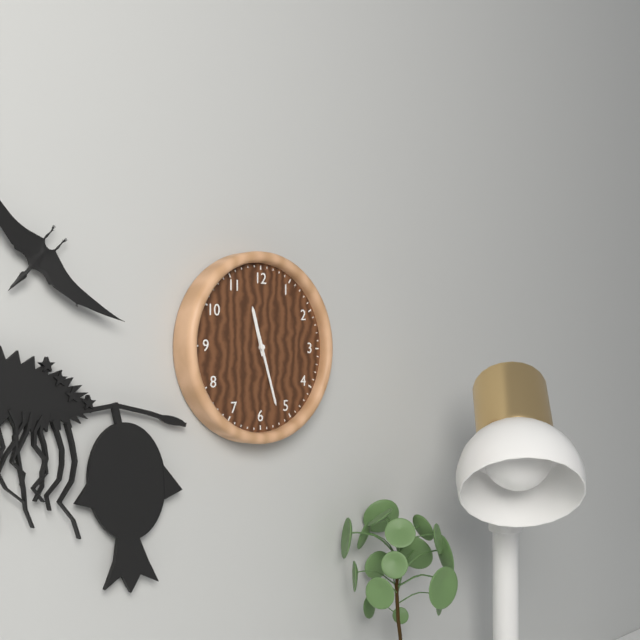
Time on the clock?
11:27
